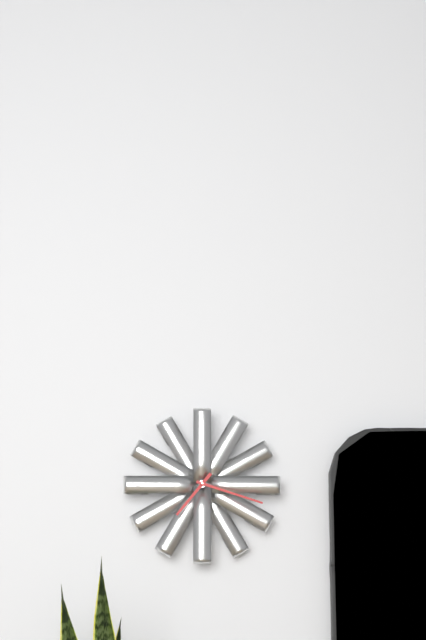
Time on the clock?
7:18
